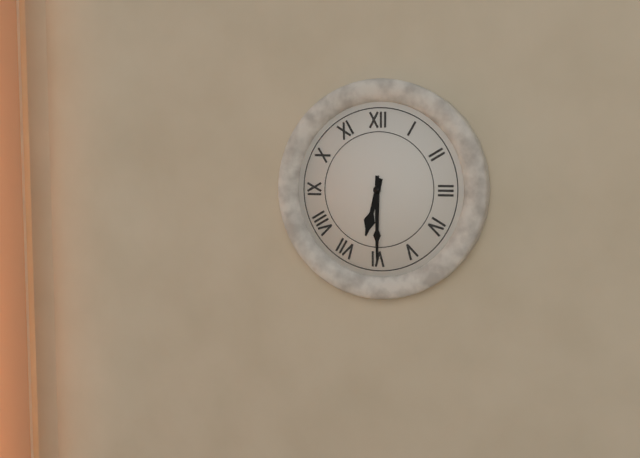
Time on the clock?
6:30
